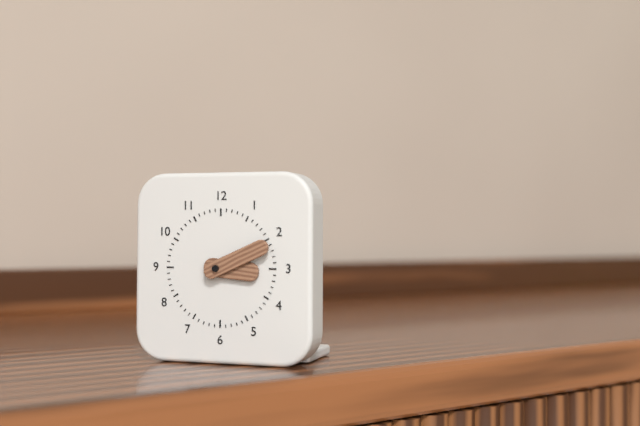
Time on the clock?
3:11
